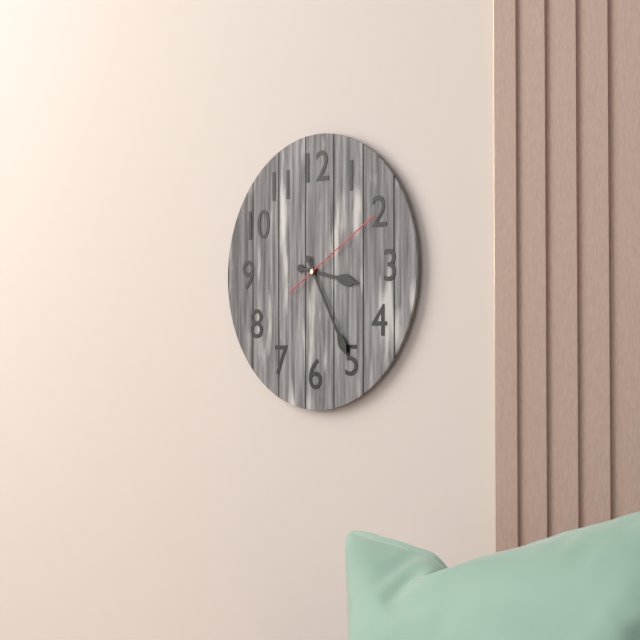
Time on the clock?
3:25:10
